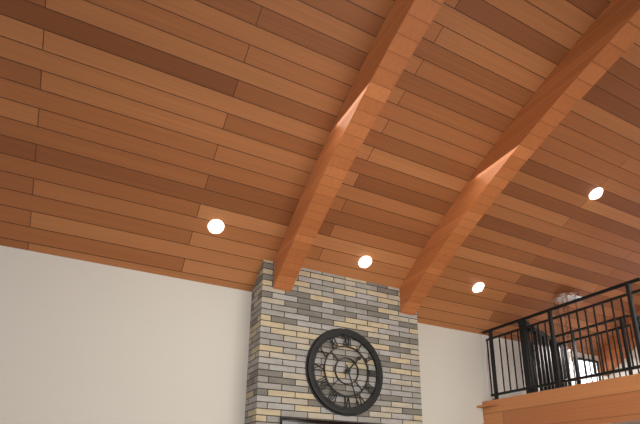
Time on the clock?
1:27
